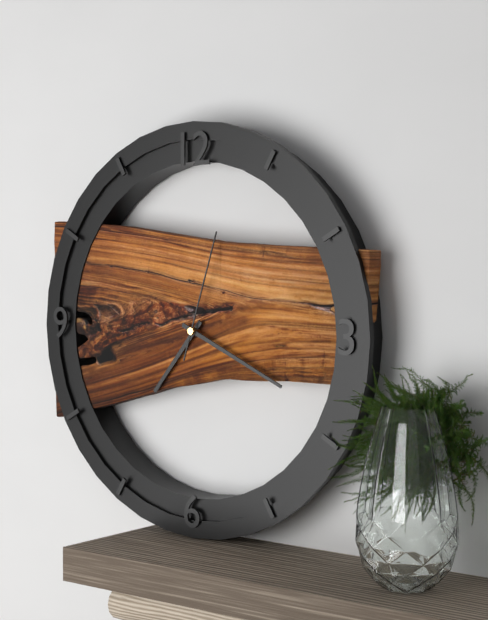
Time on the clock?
7:19:03
